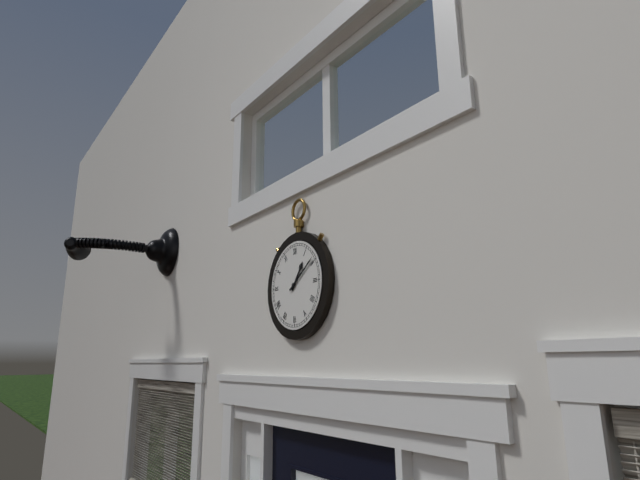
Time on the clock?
1:09
